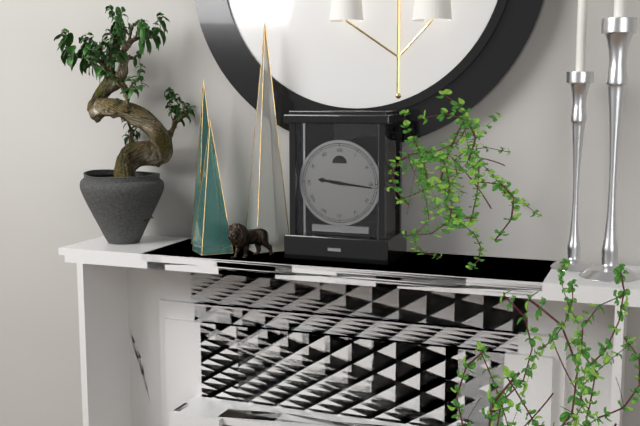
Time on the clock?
9:16
